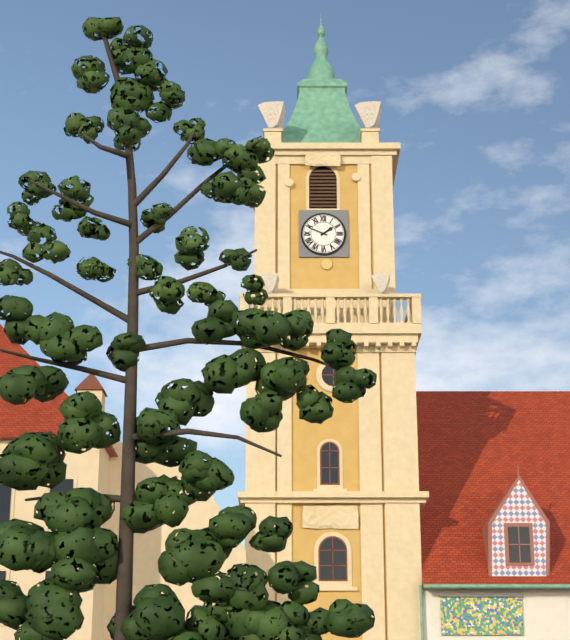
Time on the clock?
1:49
